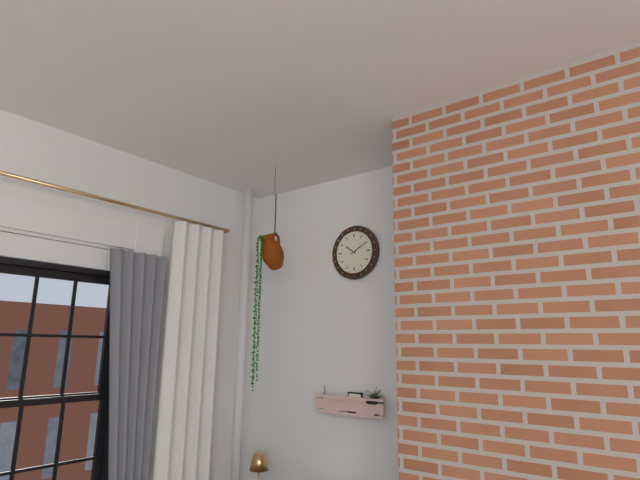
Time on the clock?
10:10
